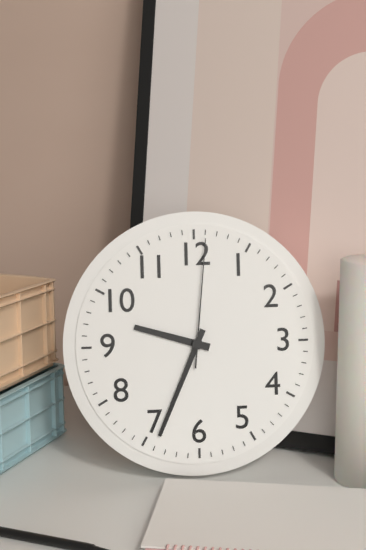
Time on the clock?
9:34:01
